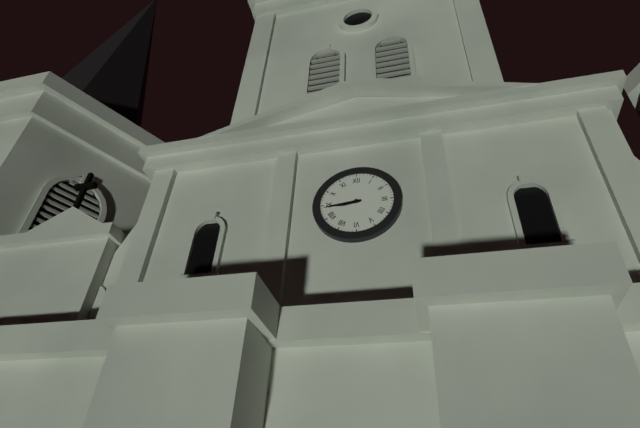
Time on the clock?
8:44
